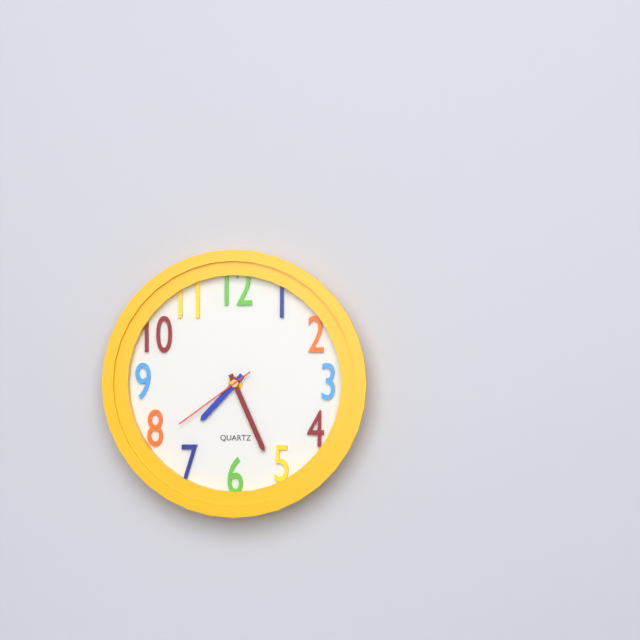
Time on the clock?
7:26:39
